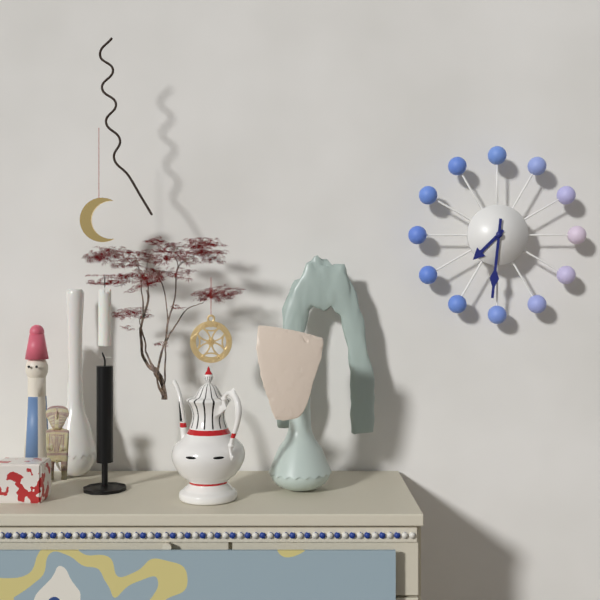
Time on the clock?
7:31
